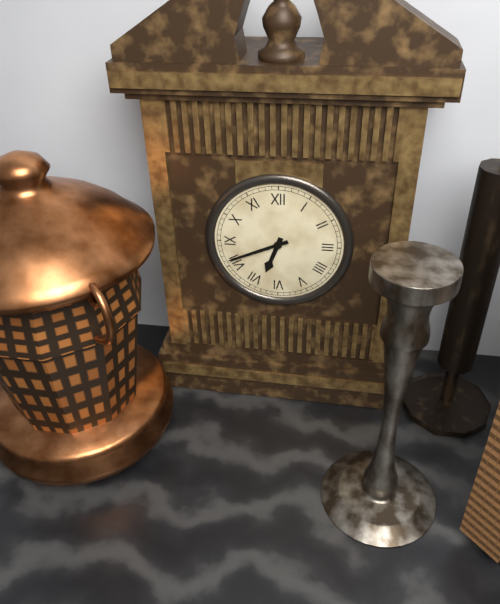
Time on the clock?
6:41
